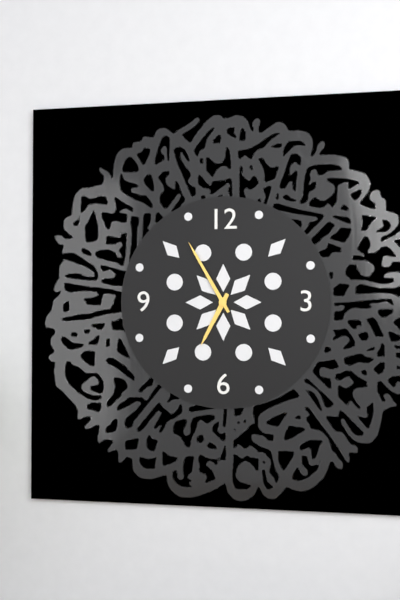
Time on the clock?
6:55
